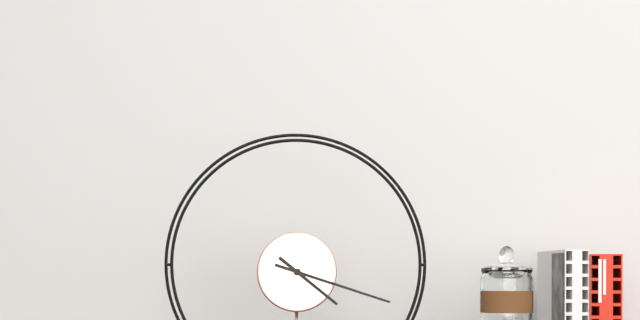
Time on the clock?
4:18
